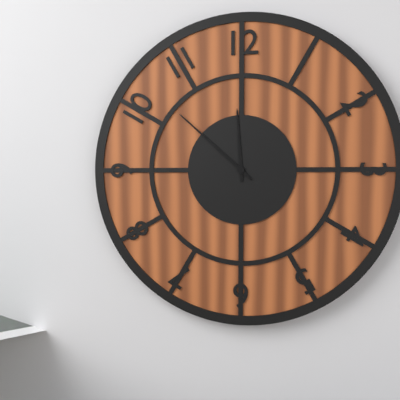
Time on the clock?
11:52
